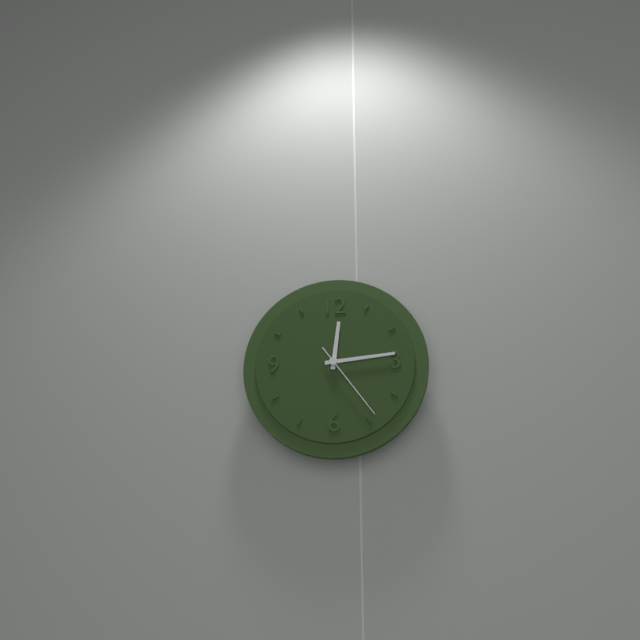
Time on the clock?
12:14:24
